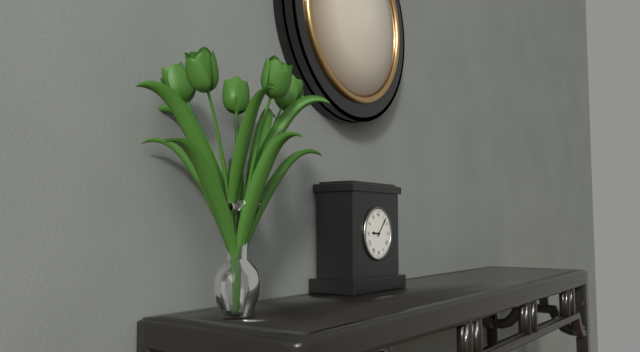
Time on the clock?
9:07
